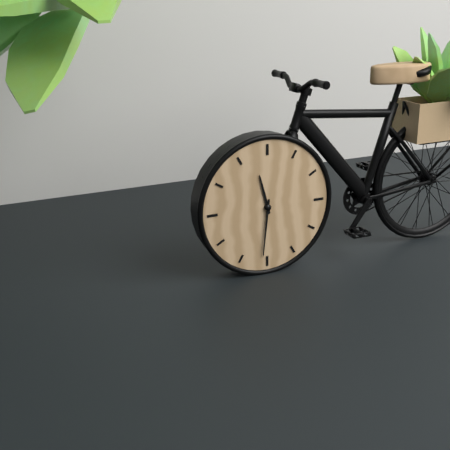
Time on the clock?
11:31
